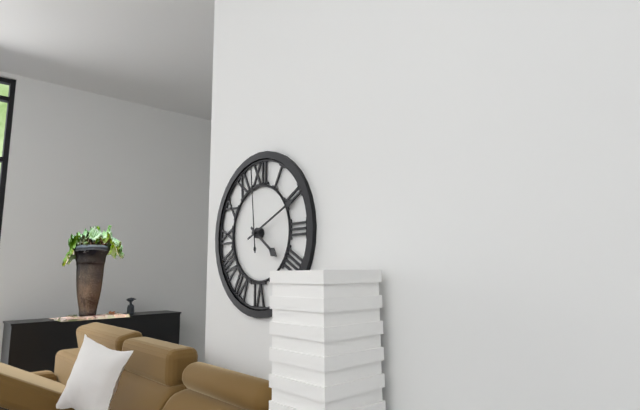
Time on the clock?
4:11:59
